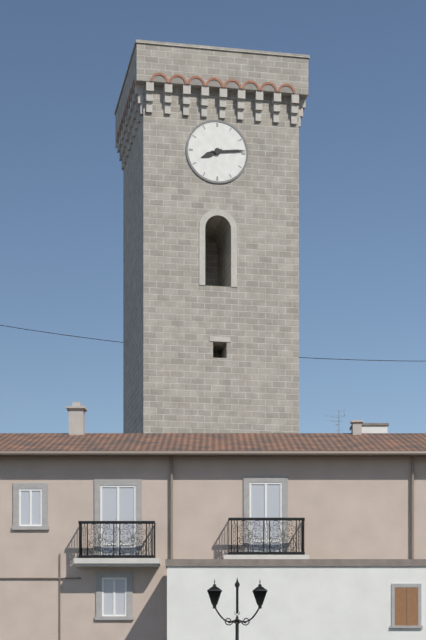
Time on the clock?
8:14
